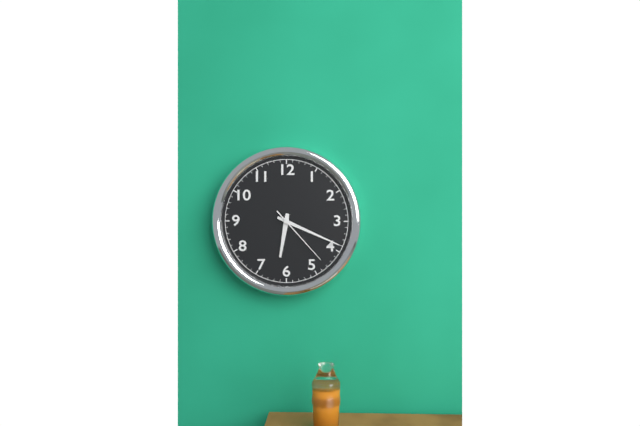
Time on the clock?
6:19:23
